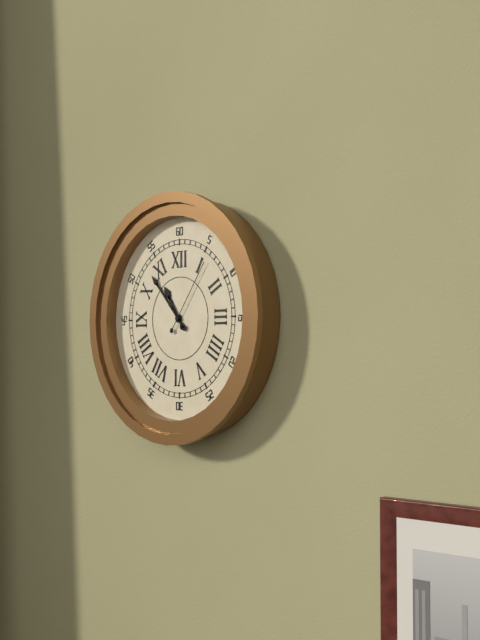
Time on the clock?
10:53:06
